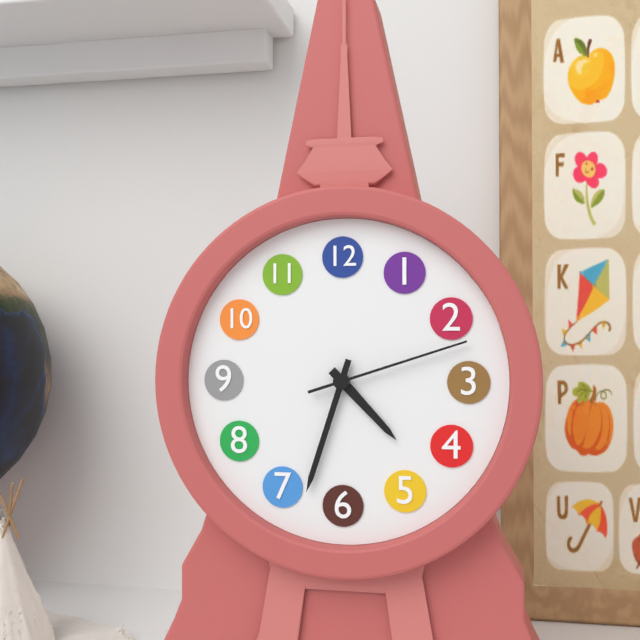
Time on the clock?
4:33:12
